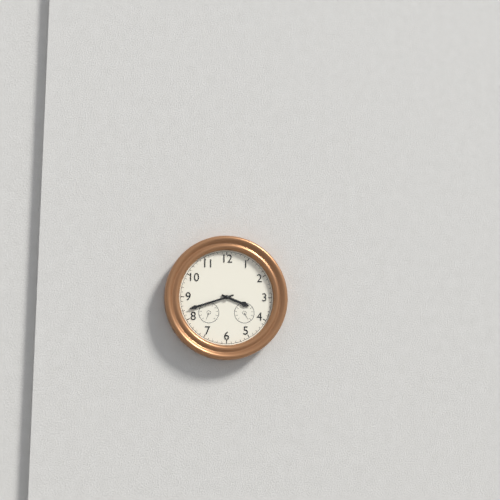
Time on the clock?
3:42
